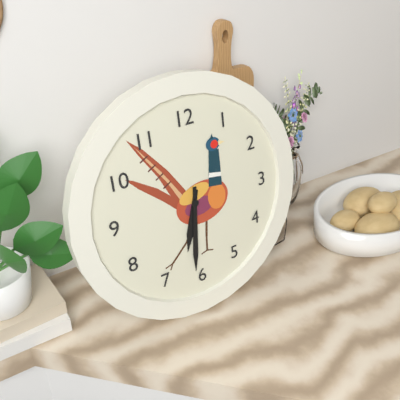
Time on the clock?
6:31
